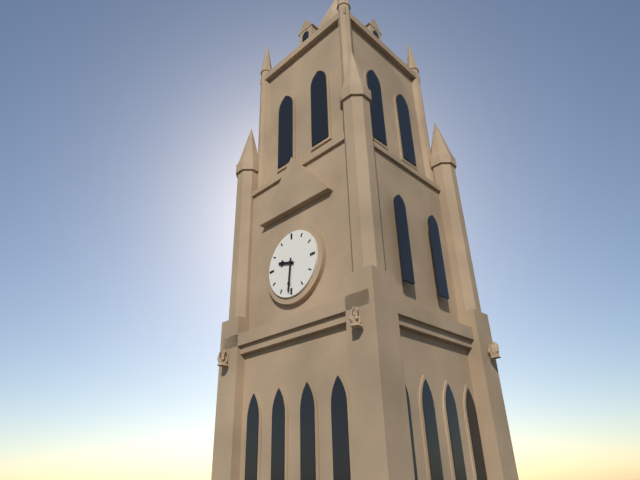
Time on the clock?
9:31
